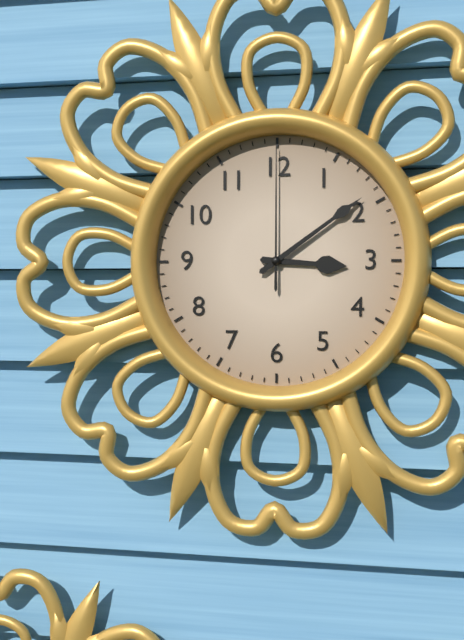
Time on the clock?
3:09:00
